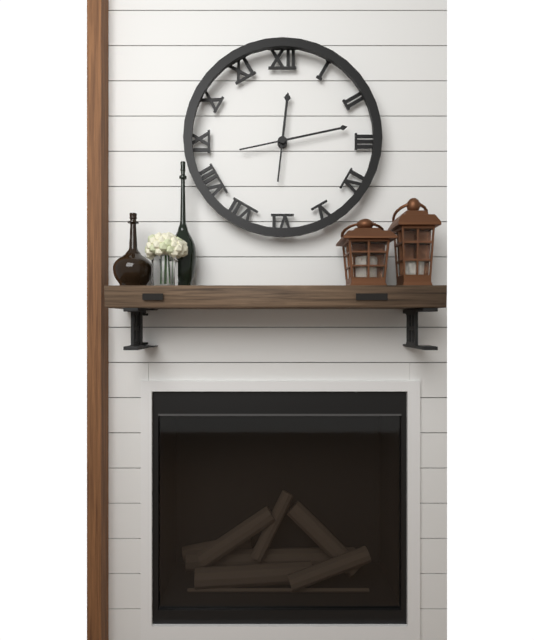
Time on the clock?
12:13
